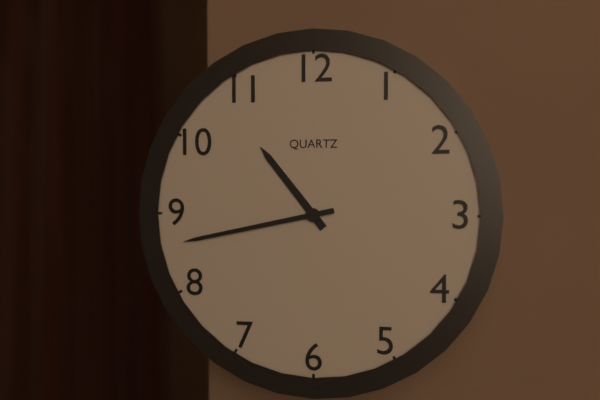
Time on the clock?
10:43
